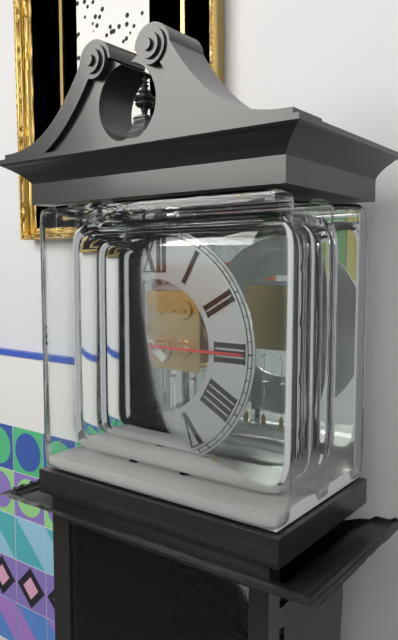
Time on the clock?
10:15
